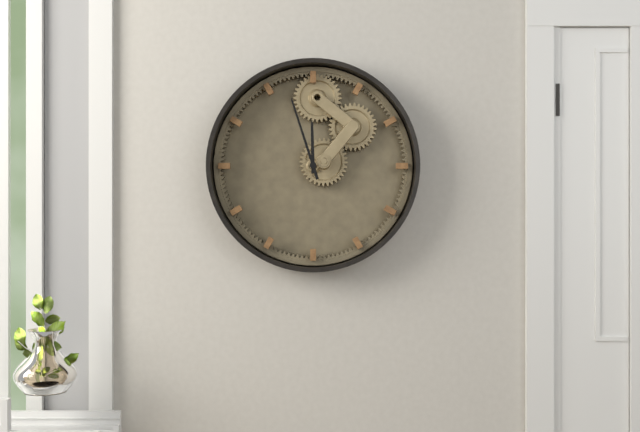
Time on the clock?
11:57
